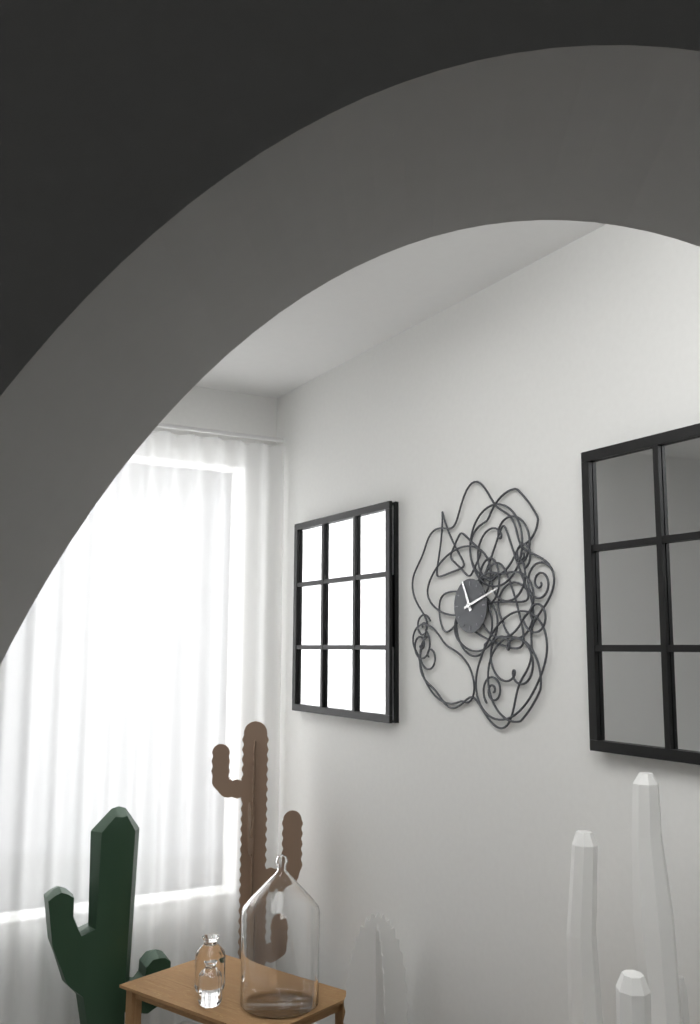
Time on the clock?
11:12
